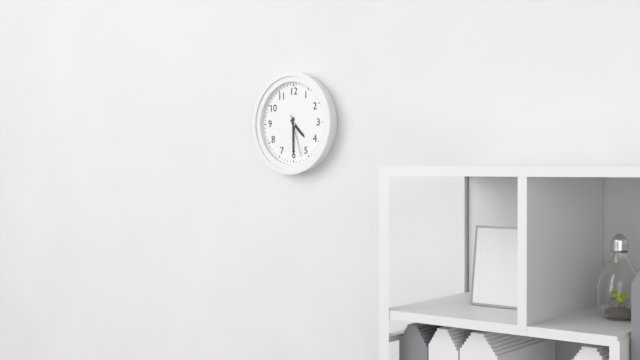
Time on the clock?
4:30
